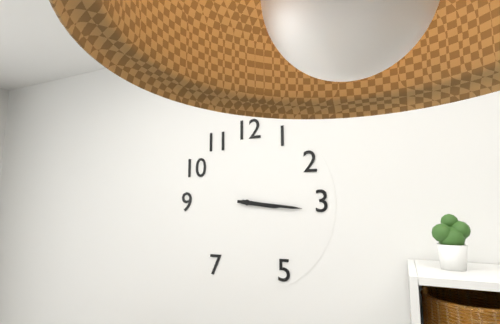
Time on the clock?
3:16
